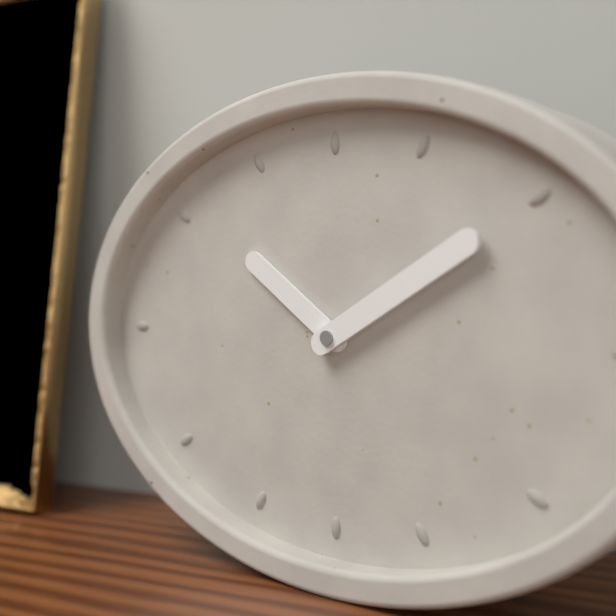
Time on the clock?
10:10
